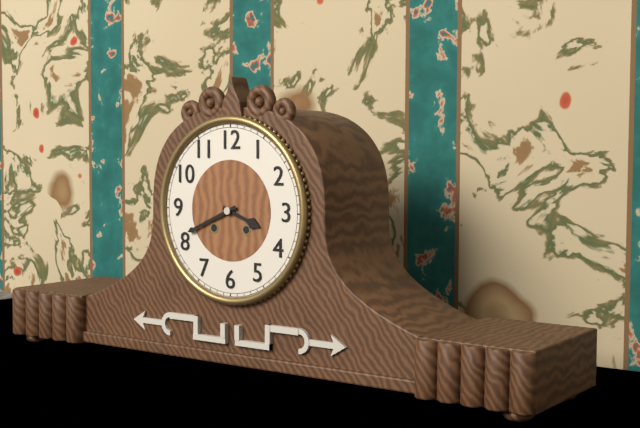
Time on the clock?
3:41
